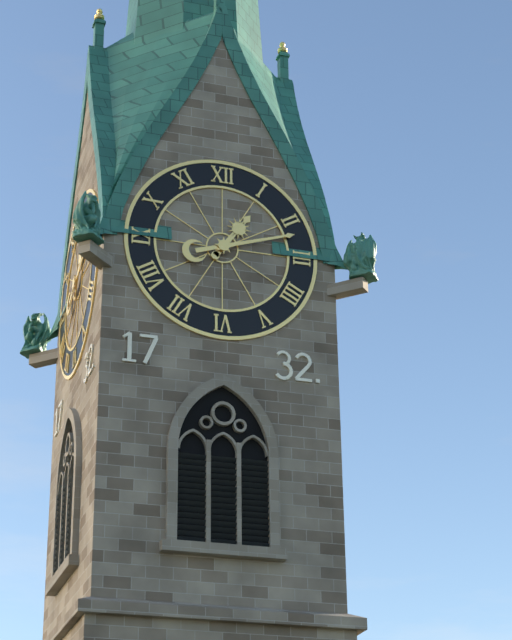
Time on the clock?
1:12
